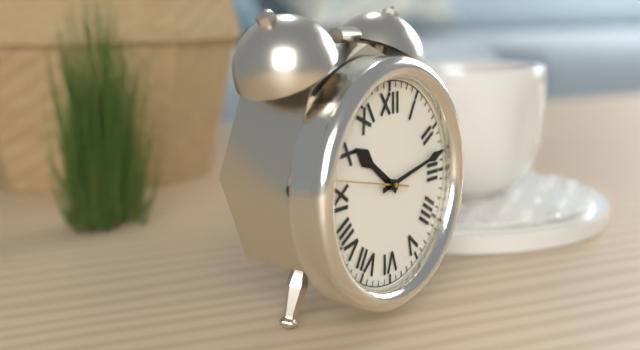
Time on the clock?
10:13:47
